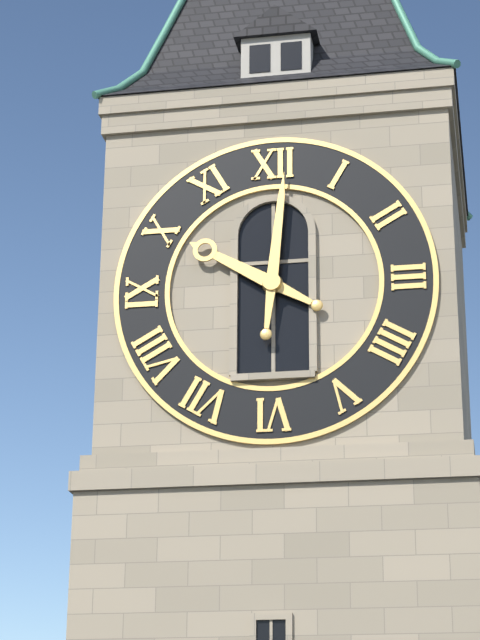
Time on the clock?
10:01
